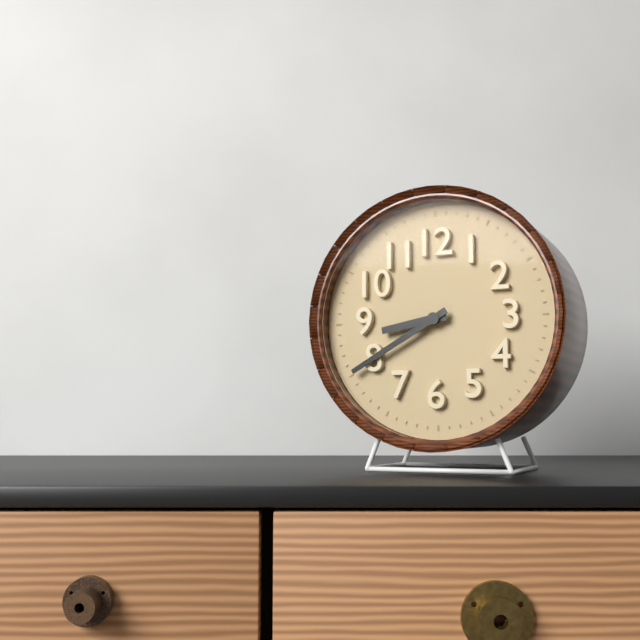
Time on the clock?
8:40
